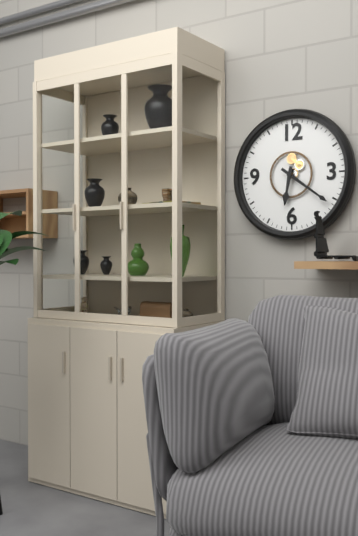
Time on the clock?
6:21
